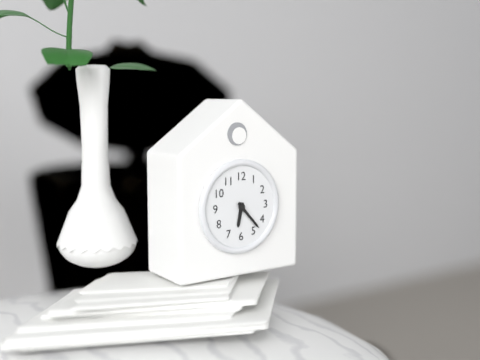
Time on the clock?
6:23
